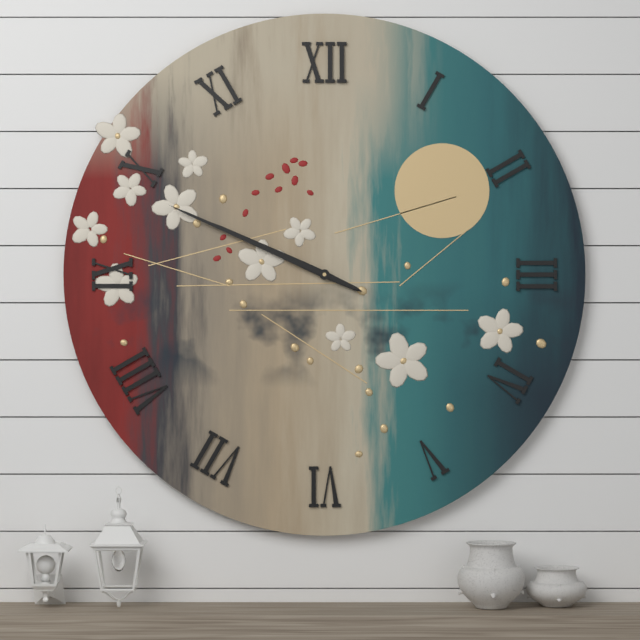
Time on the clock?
9:49
